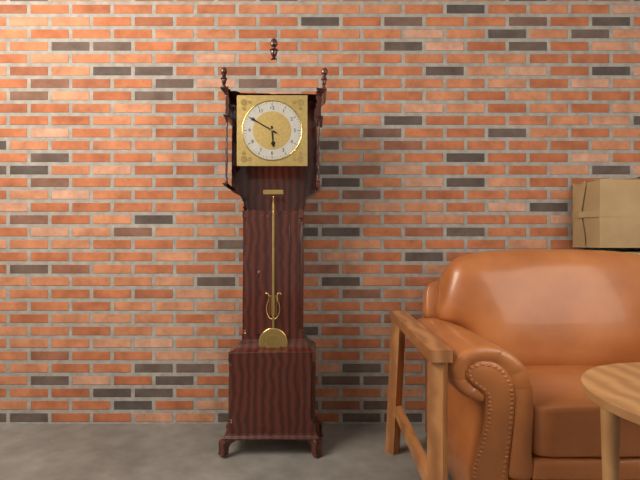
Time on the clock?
5:50
